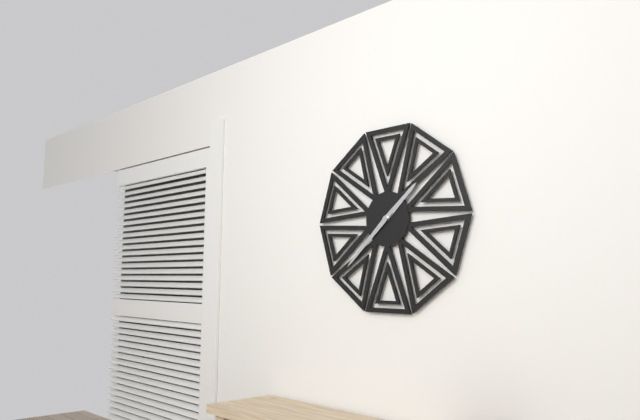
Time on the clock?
1:38
